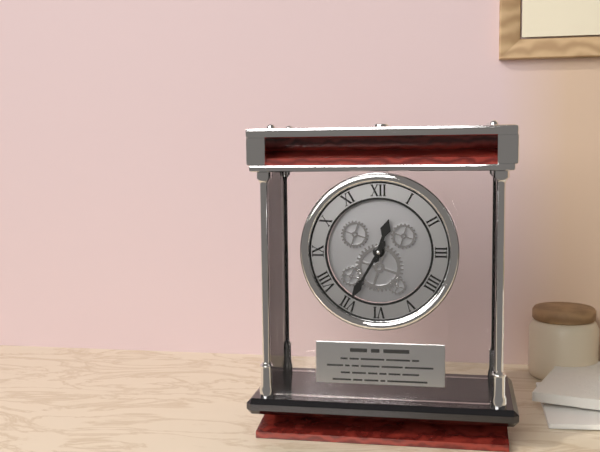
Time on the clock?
12:35
